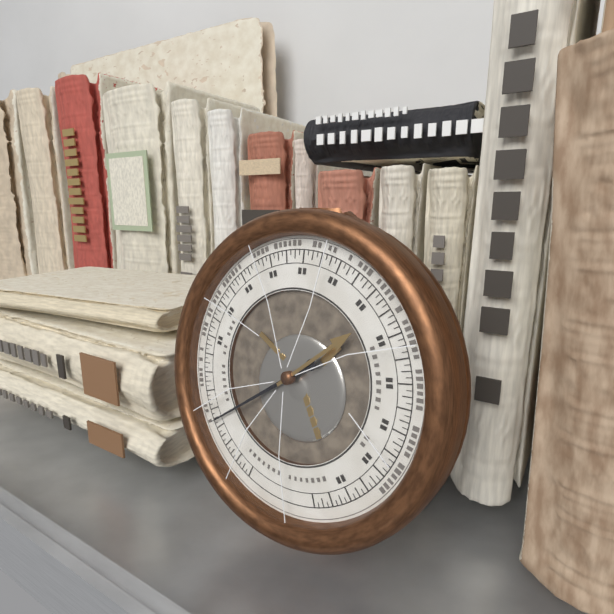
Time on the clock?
1:39
